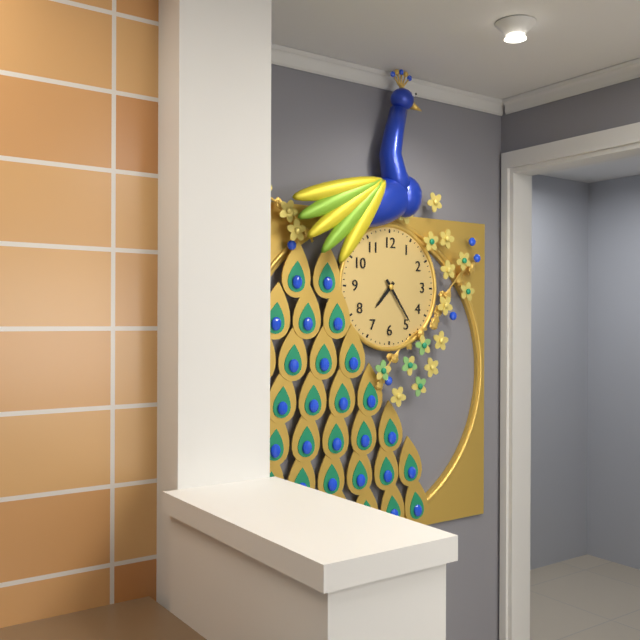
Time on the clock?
7:24
